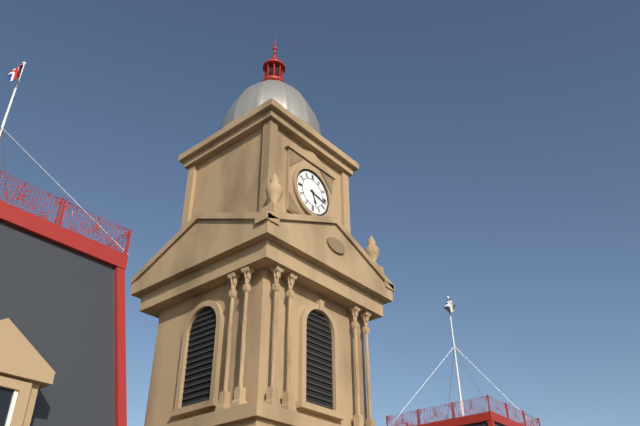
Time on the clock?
5:17
